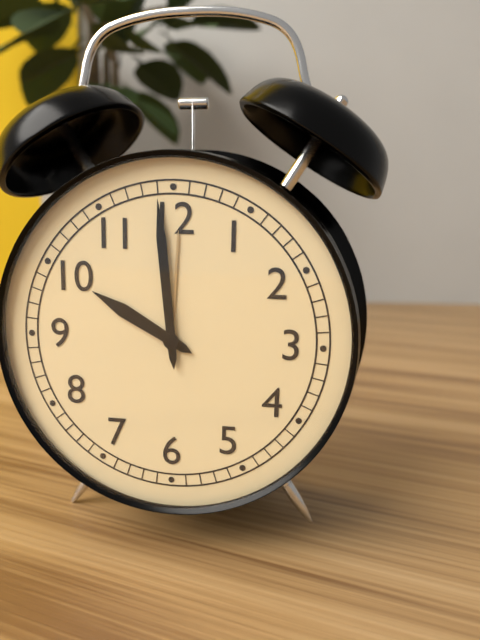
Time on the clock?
9:59
